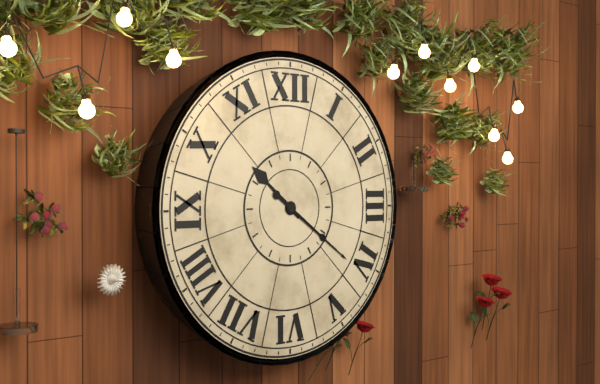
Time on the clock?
10:21
